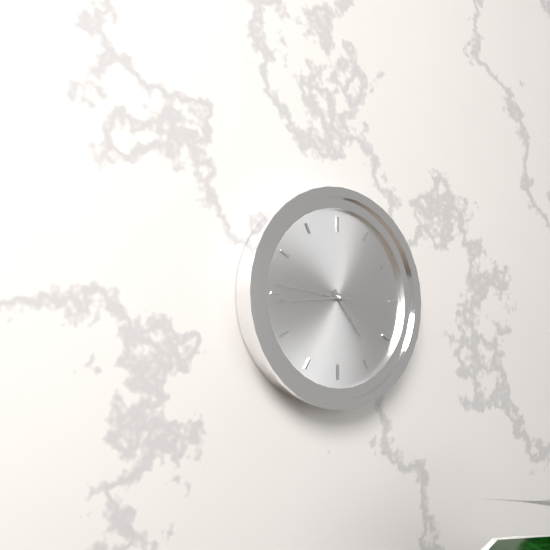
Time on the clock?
4:44:46
